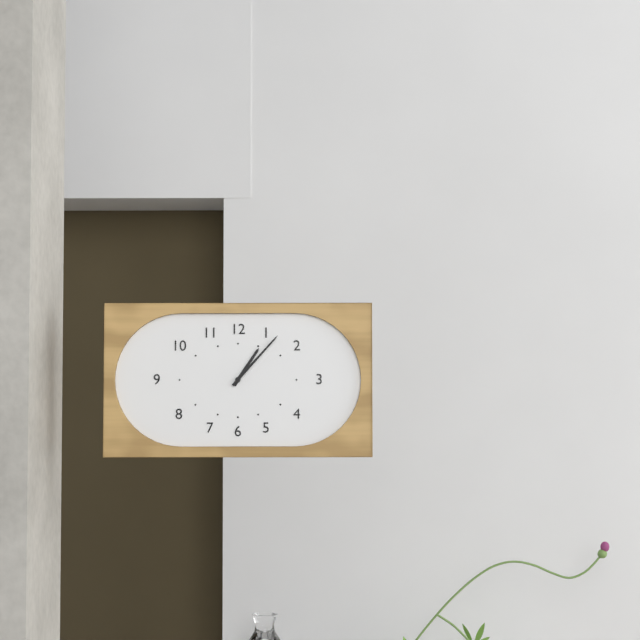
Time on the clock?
1:07
